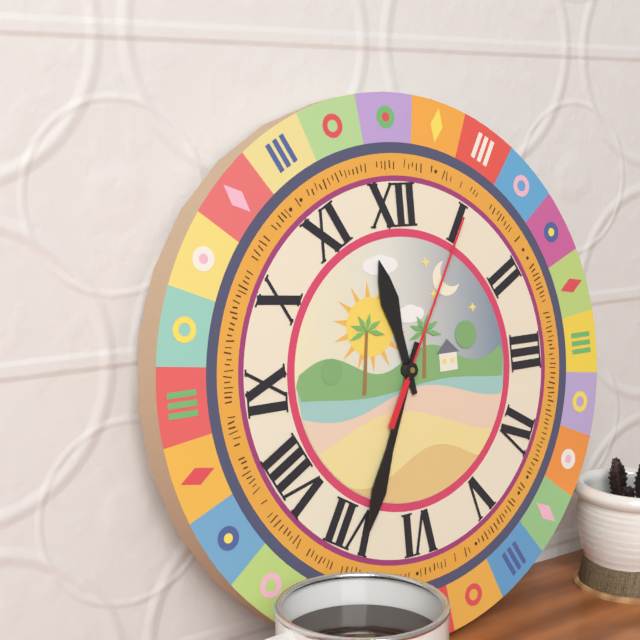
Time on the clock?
11:34:05
